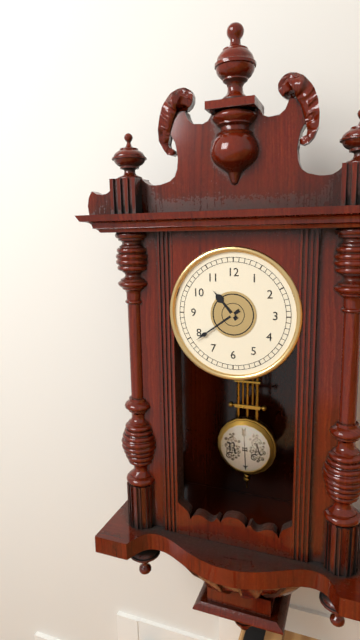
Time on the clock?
10:39
